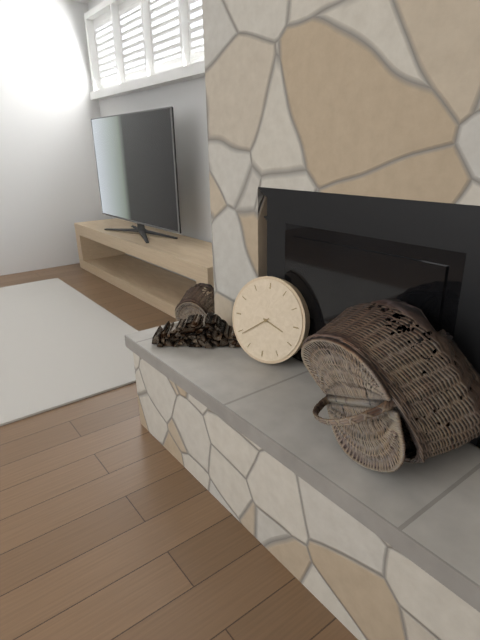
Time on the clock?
3:39
